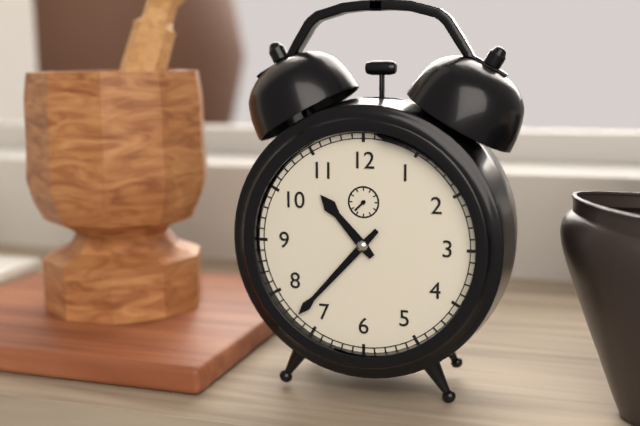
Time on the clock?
10:37
